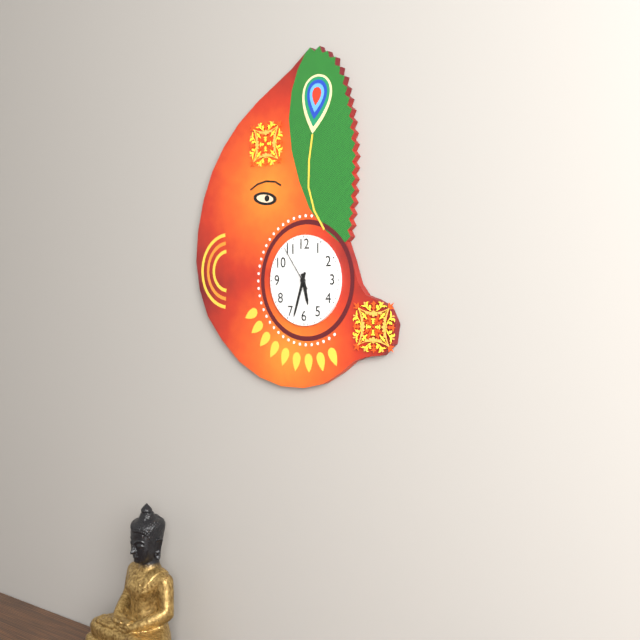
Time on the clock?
5:33
